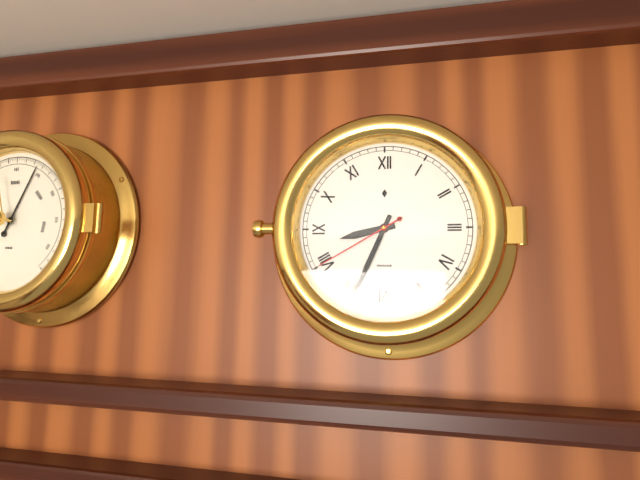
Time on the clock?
8:34:40
